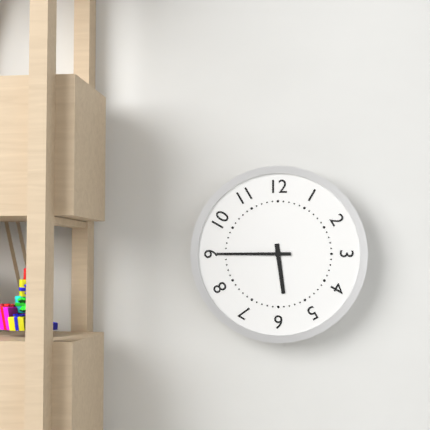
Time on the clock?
5:45
